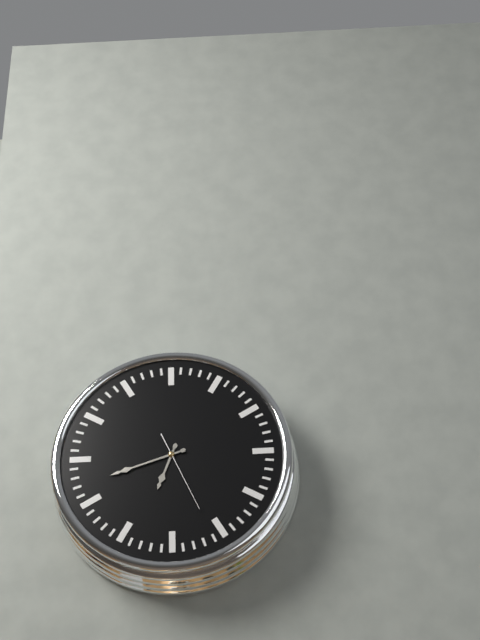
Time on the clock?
6:42:26
